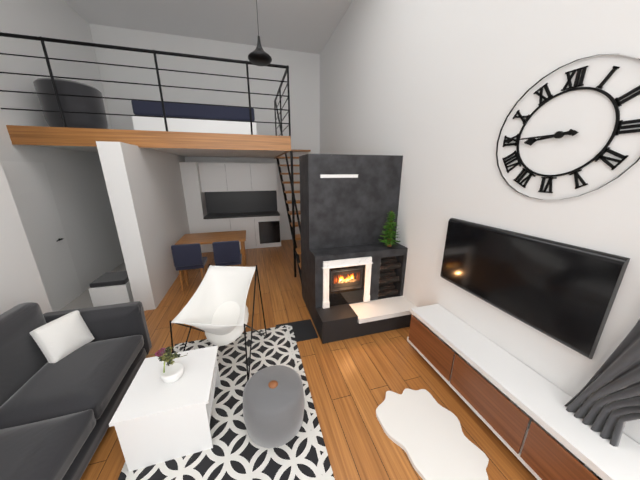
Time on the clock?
8:45
